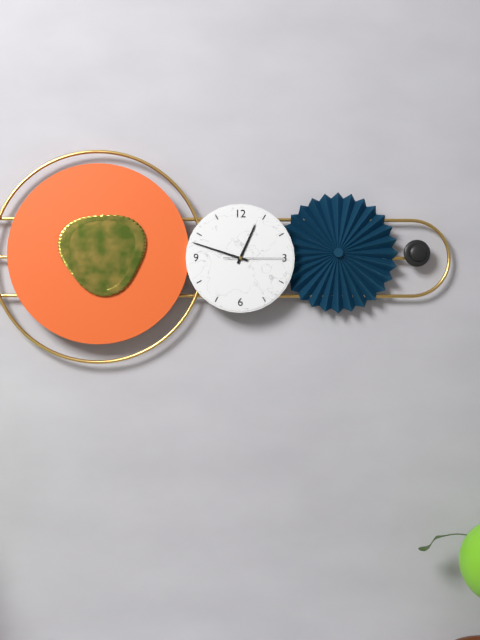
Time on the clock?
12:48:15
